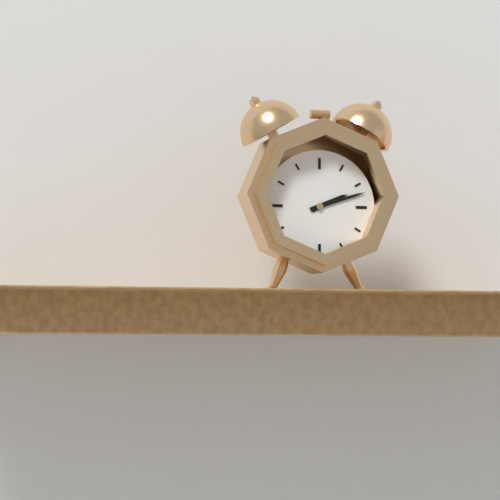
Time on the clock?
2:12
